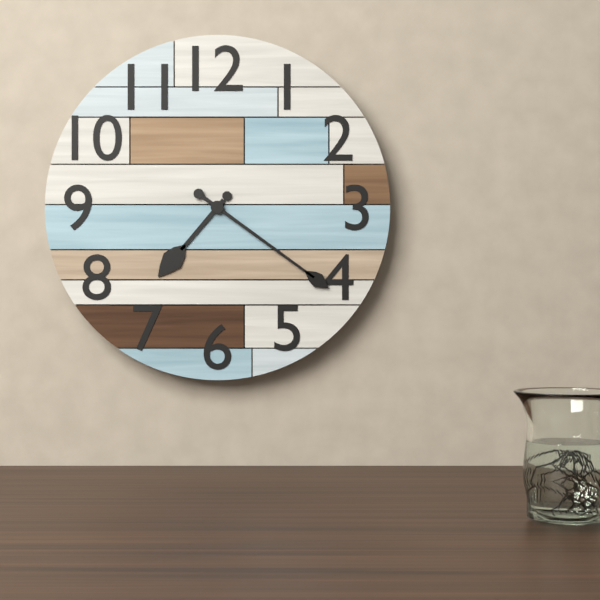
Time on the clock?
7:21
